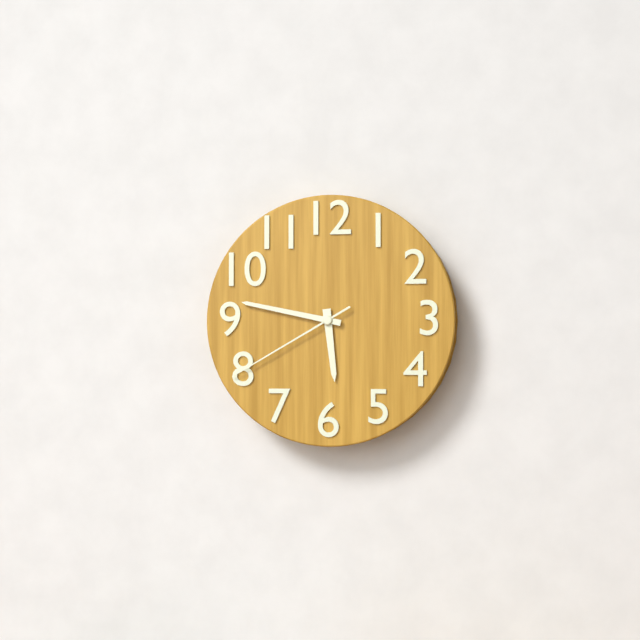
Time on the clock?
5:47:40
